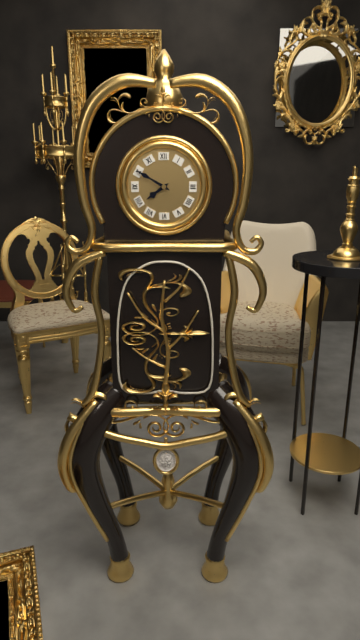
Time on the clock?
7:50
